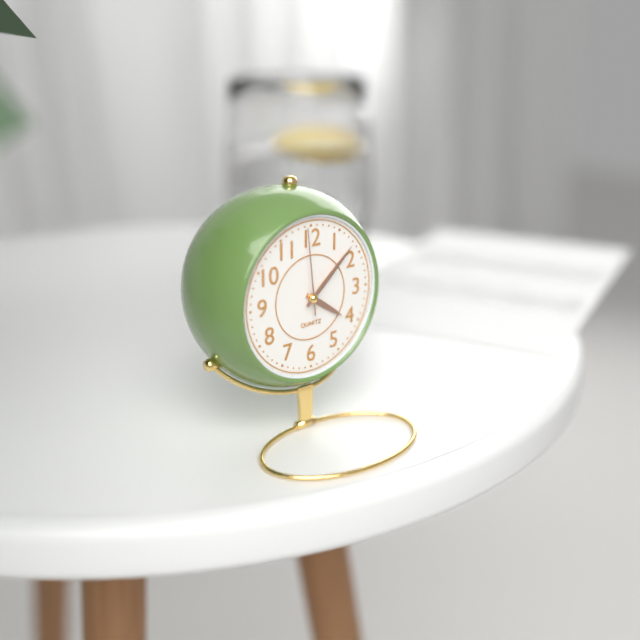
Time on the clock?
4:08:59
